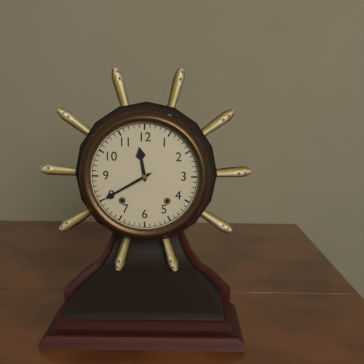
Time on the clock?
11:40
